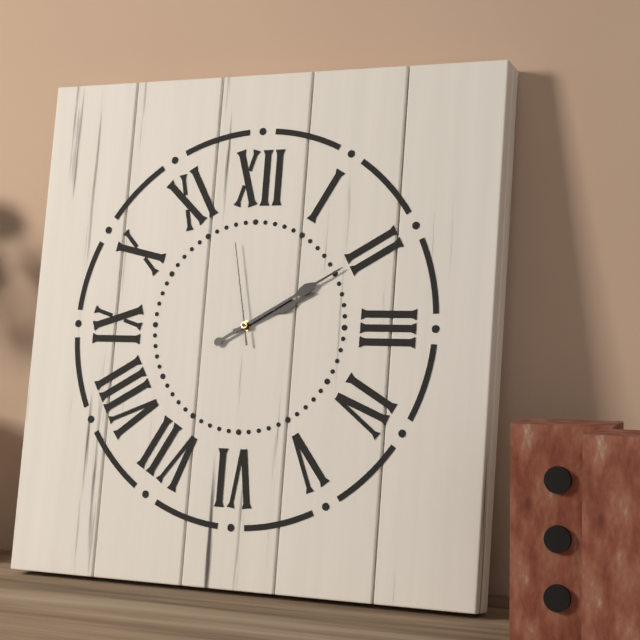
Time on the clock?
2:10:58
